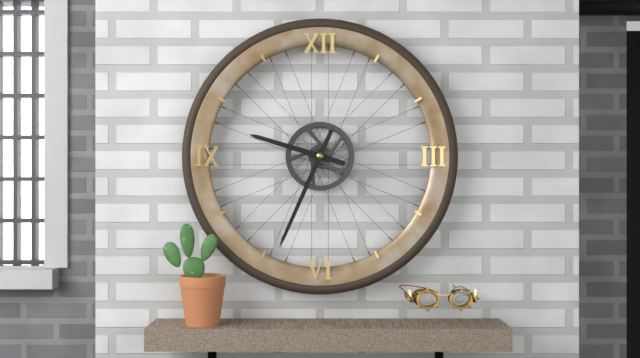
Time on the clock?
9:34
